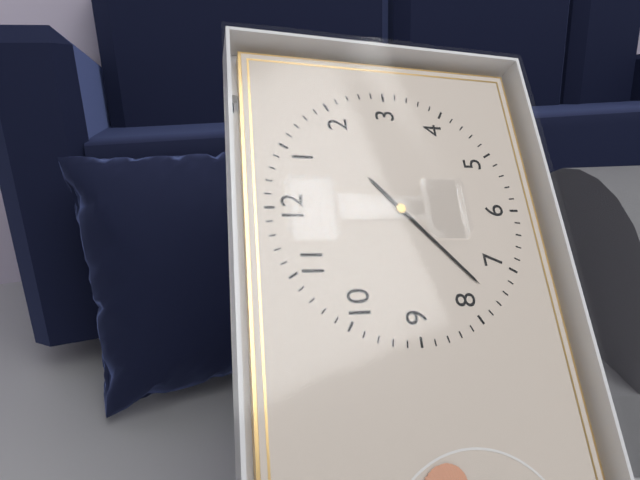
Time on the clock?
1:38
